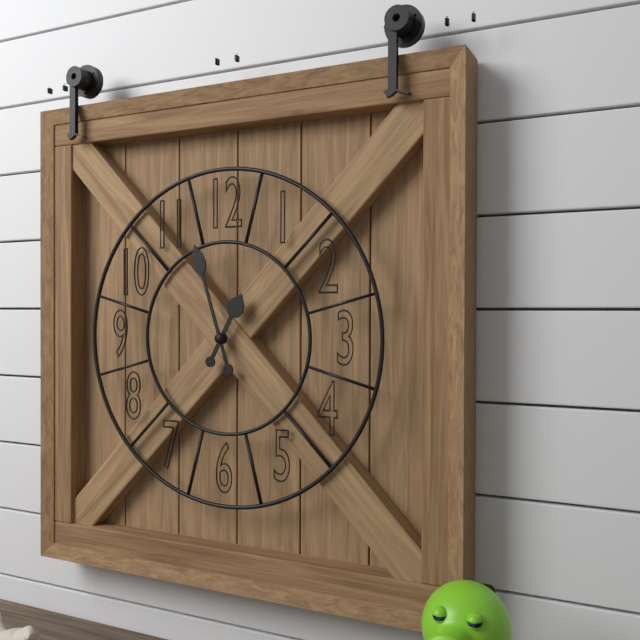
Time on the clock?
12:57
